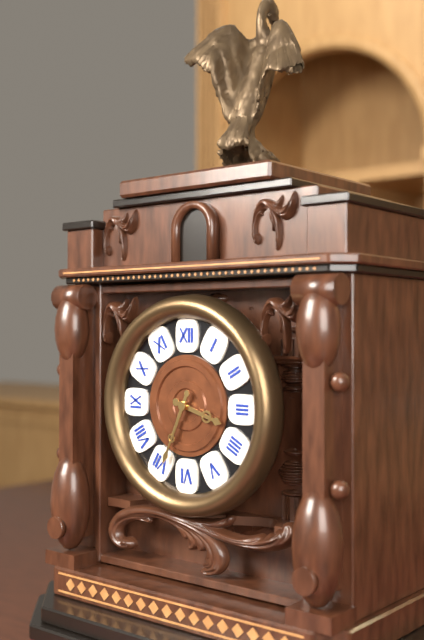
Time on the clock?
3:34
